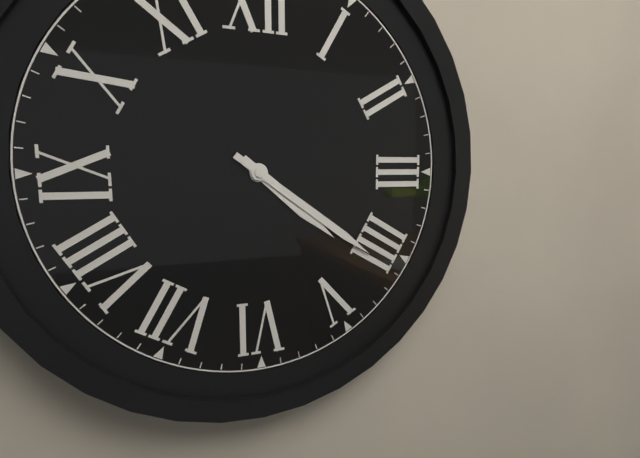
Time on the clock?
4:21
